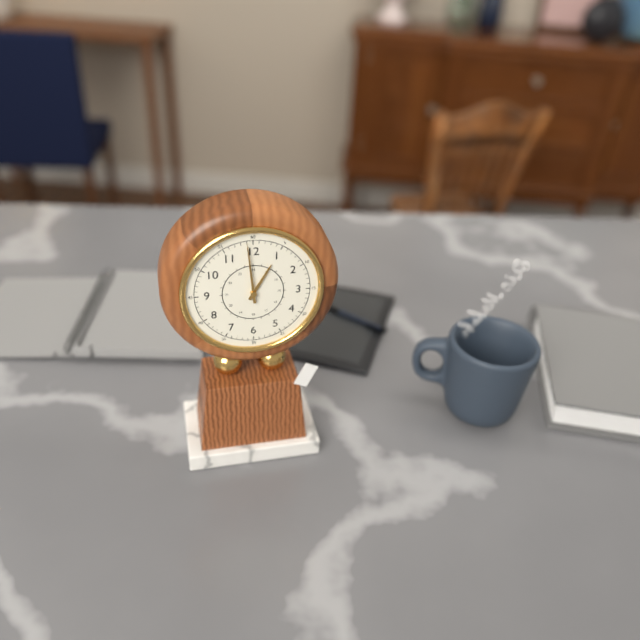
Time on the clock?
12:59
